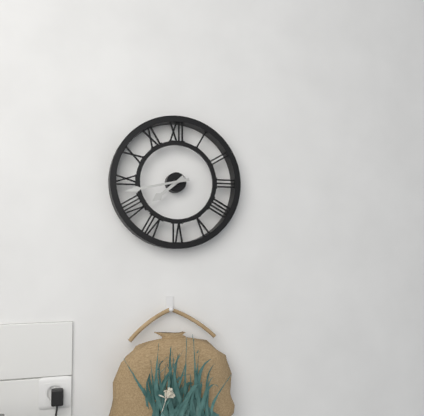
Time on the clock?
7:43
